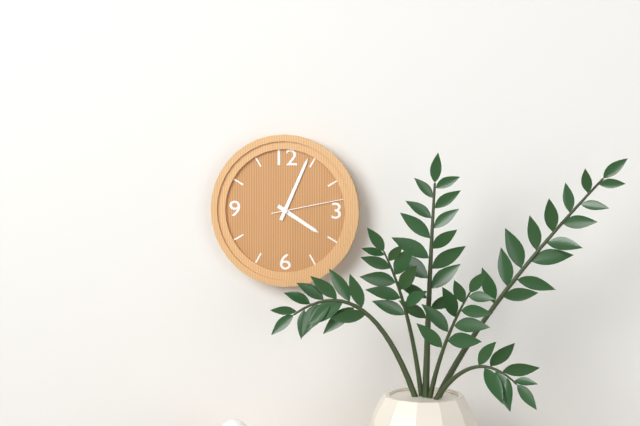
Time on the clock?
4:04:13
